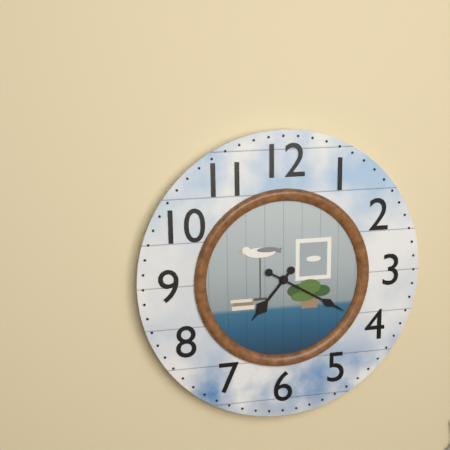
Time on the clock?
7:20
